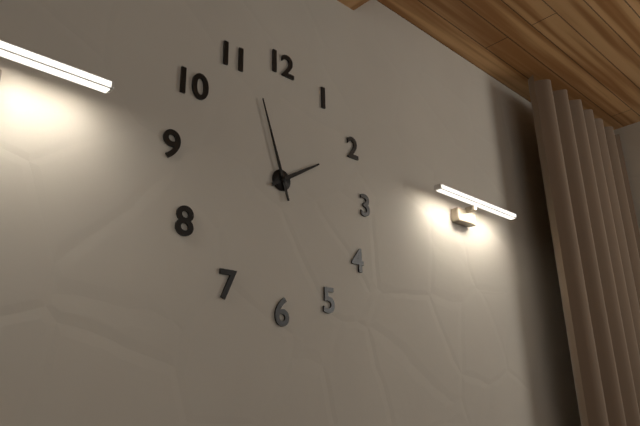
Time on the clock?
1:57
